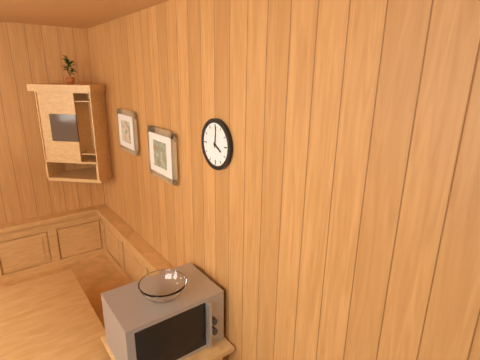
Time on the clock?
4:01
